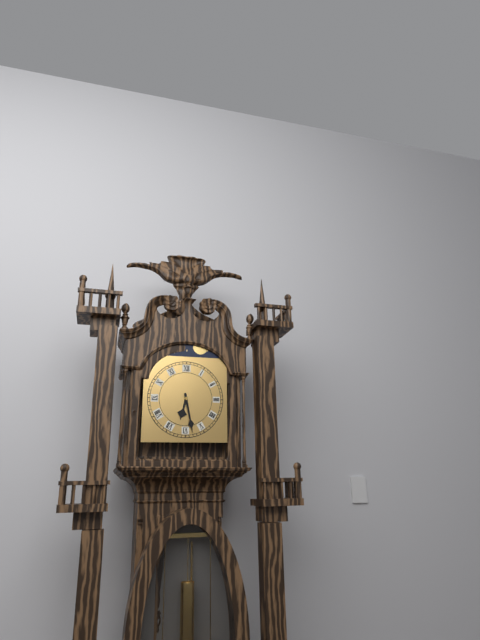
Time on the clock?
6:28
